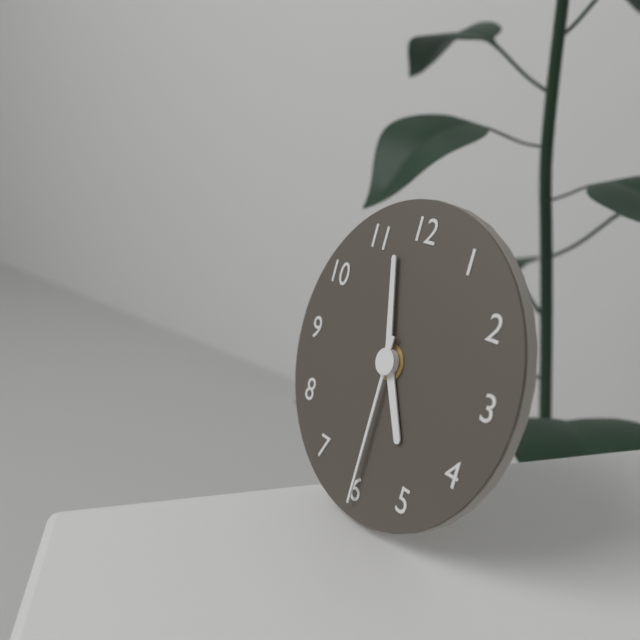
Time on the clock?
4:57:30
